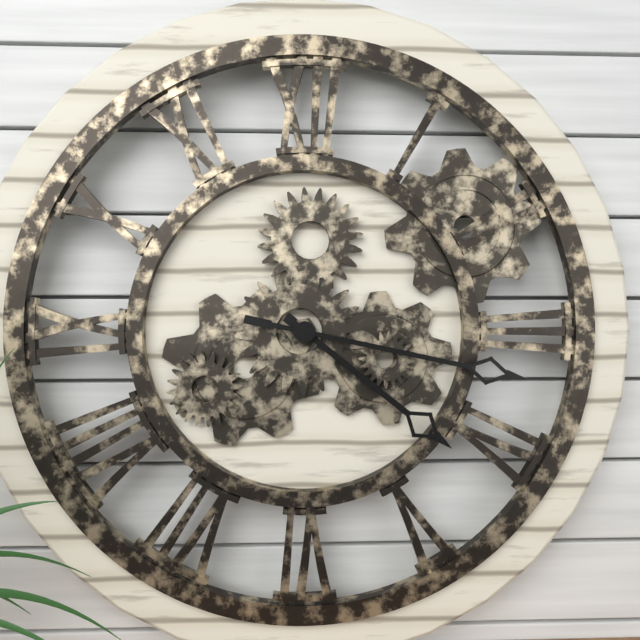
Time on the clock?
4:17
